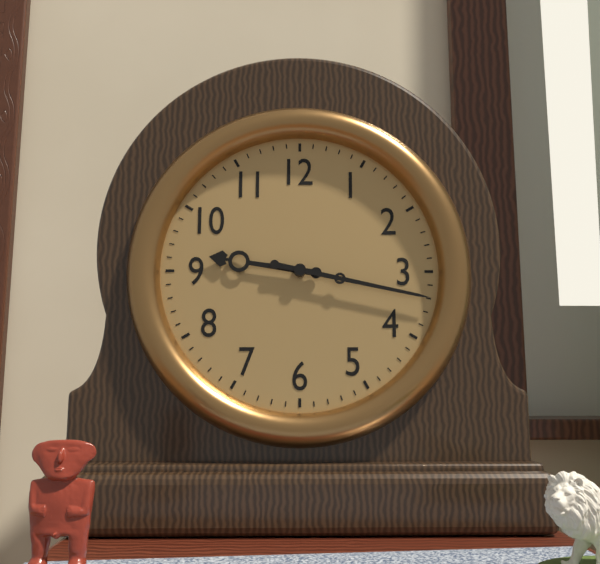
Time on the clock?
9:17
